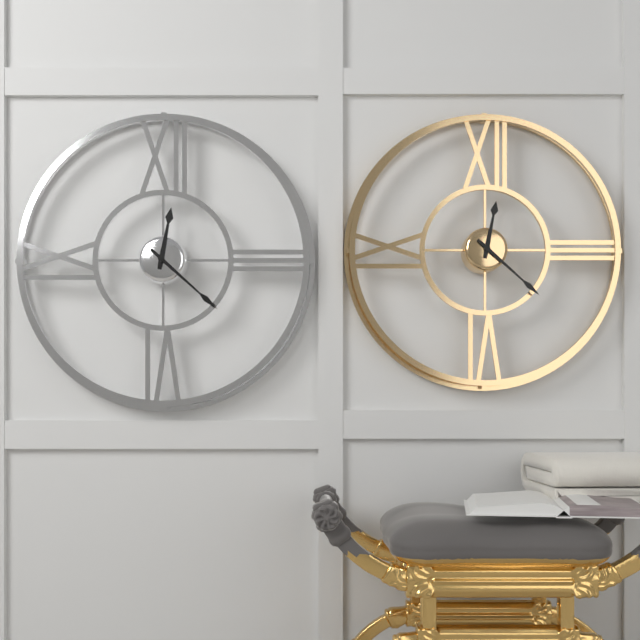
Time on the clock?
12:22
